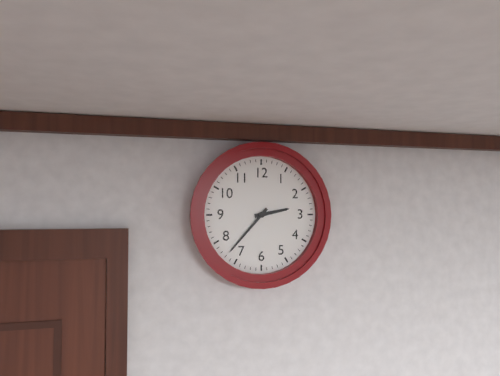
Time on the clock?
2:37
